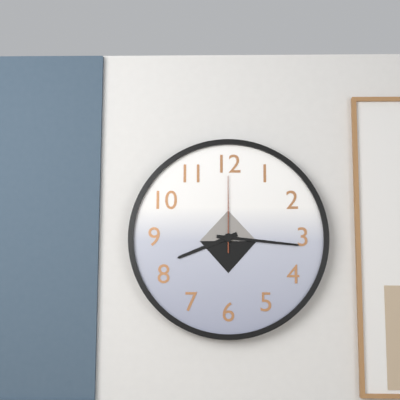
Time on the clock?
8:16:00
